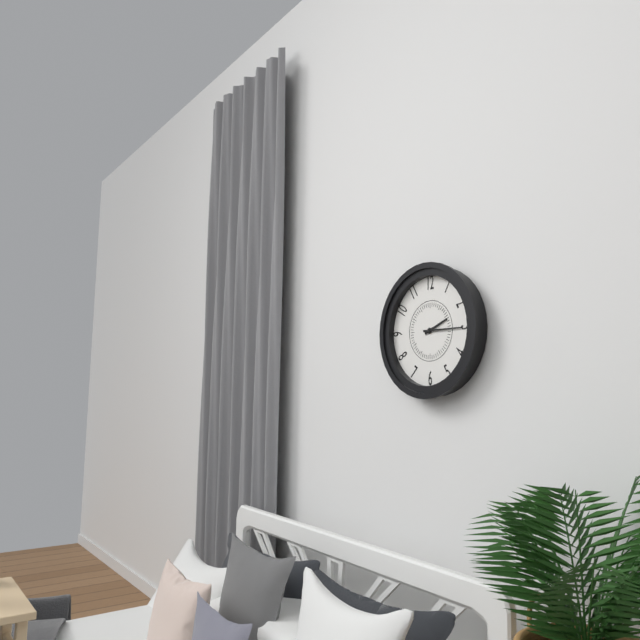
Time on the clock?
2:15
